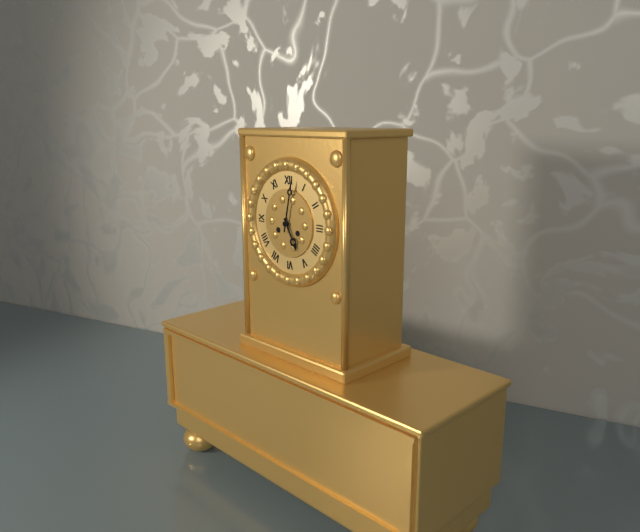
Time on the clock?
5:02
